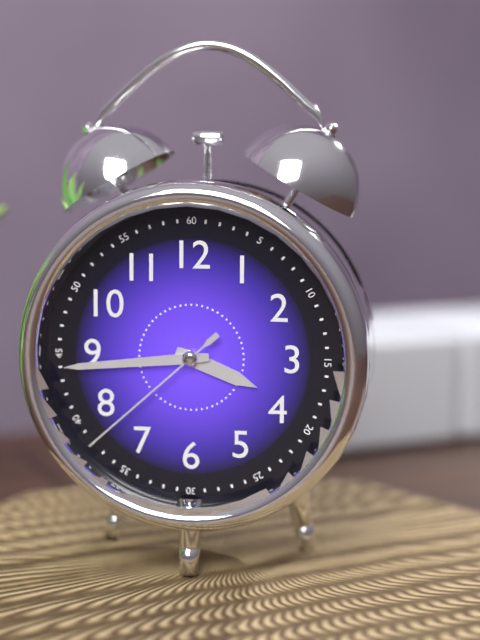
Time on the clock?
3:44:38
